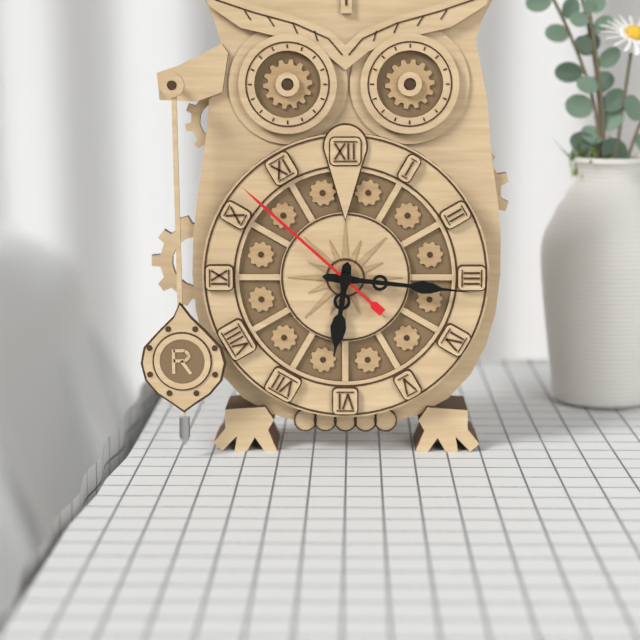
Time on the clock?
6:16:52
